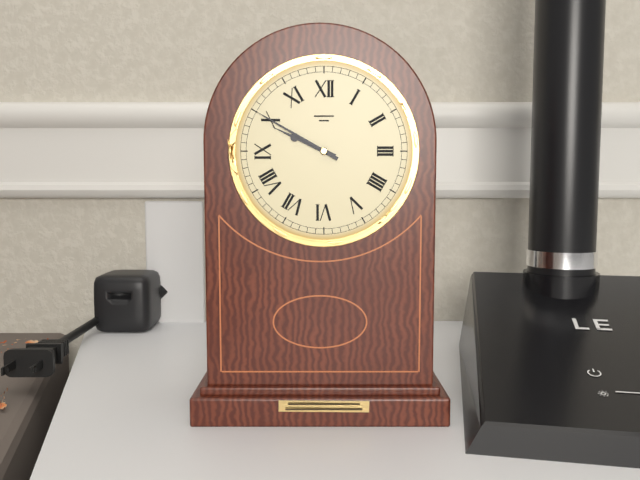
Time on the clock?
9:50
